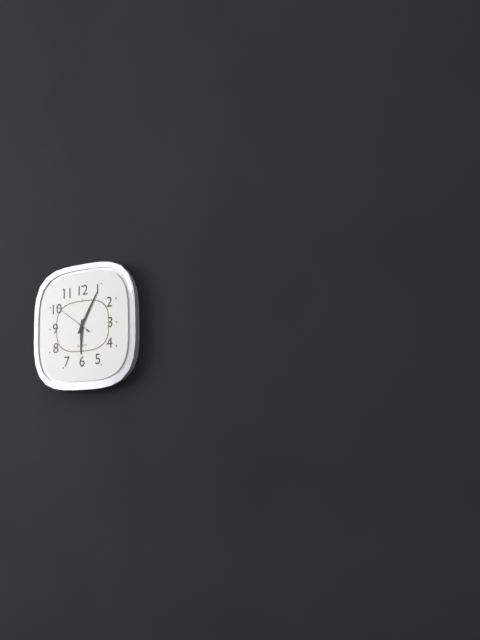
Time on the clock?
6:05
